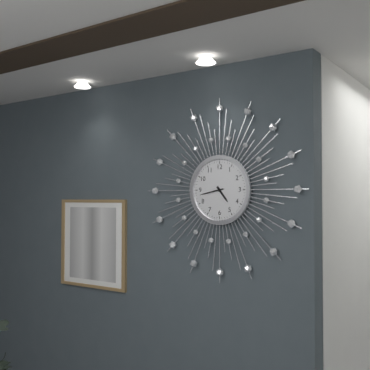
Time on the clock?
4:43
